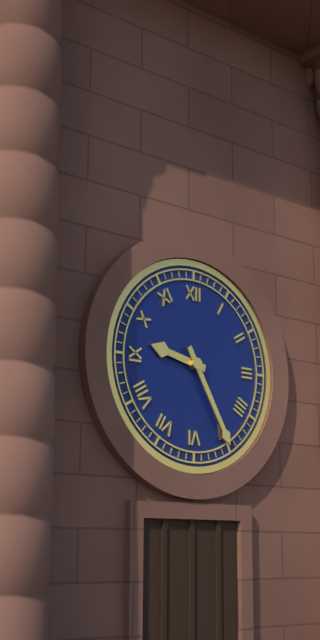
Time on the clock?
9:25
